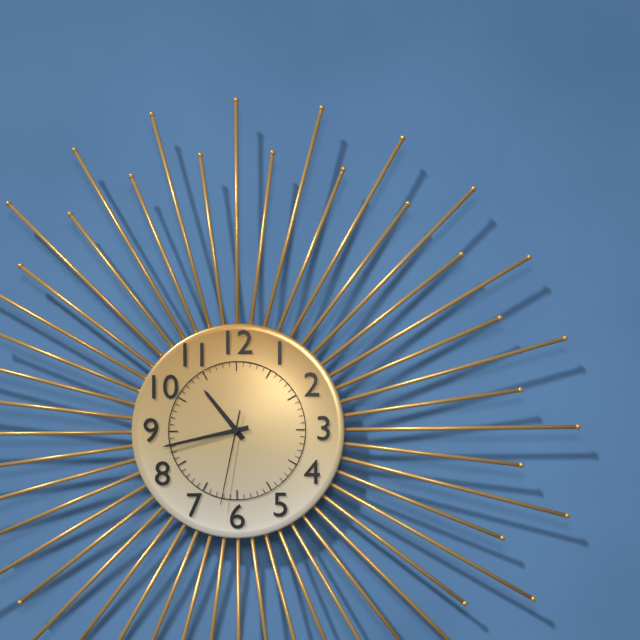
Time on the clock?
10:43:32
